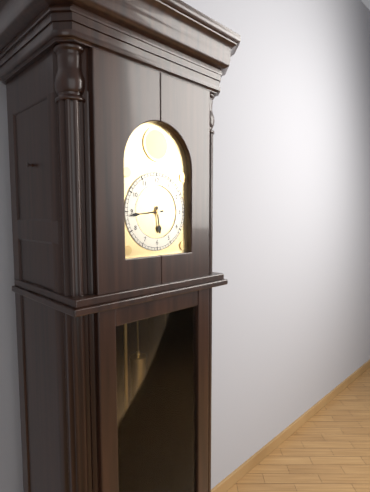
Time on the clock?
5:44
